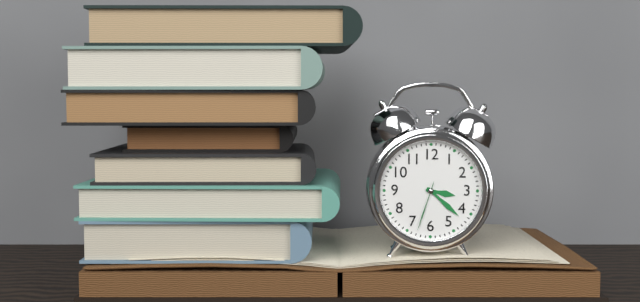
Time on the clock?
3:22:33
